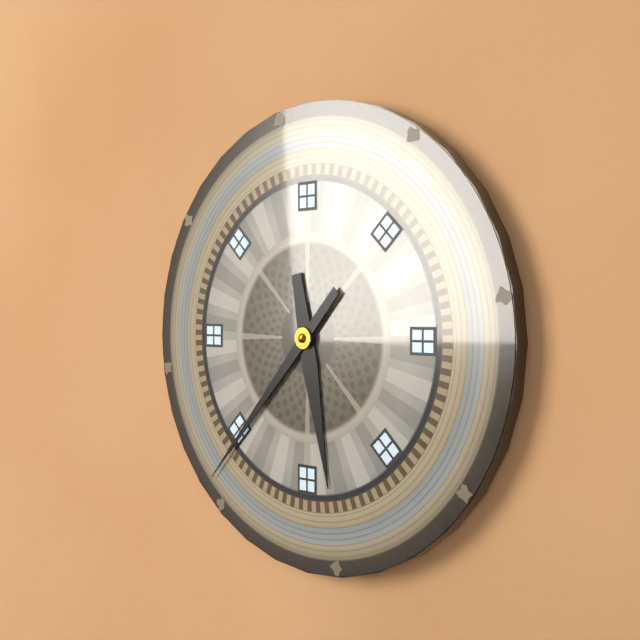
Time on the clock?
5:37
